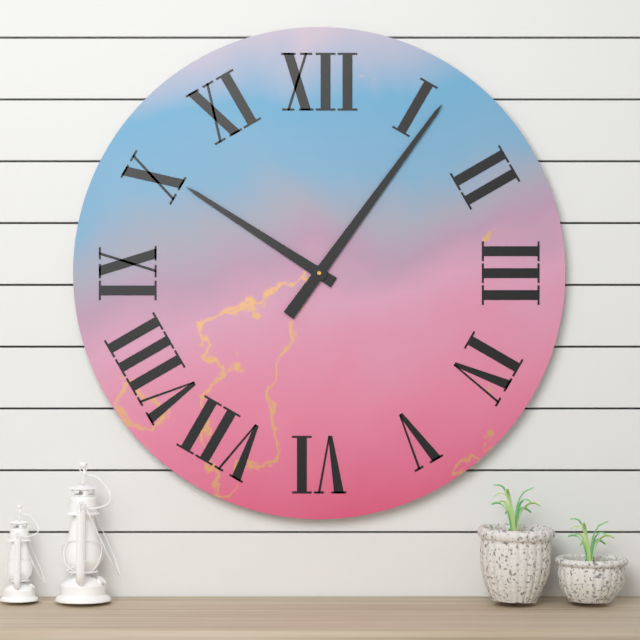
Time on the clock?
10:06
